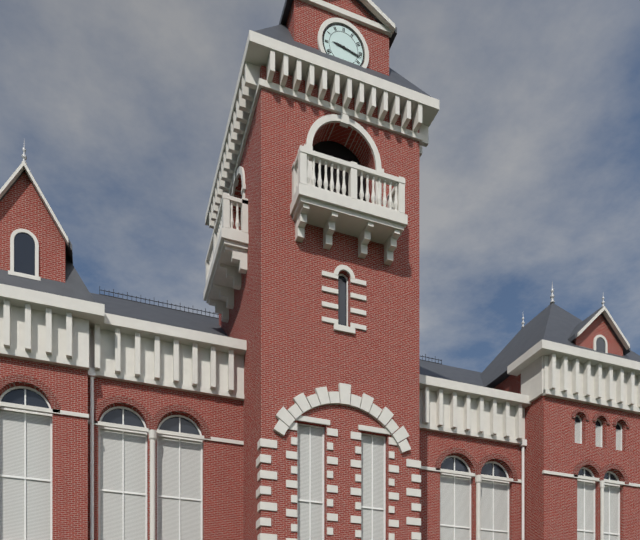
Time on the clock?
9:17
